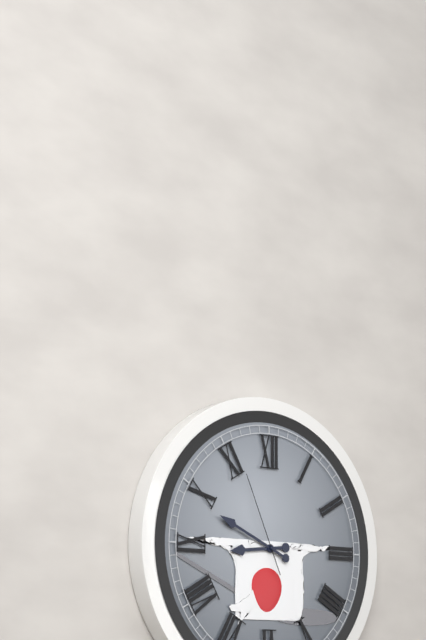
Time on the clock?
8:49:56
